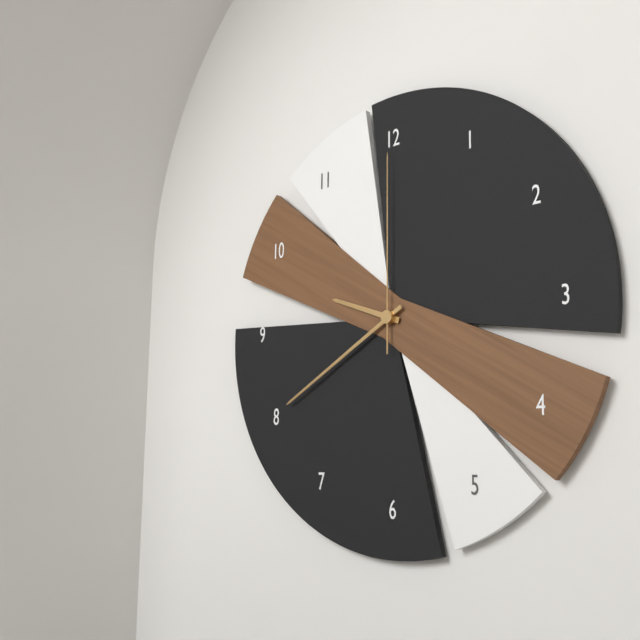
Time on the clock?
9:40:00
